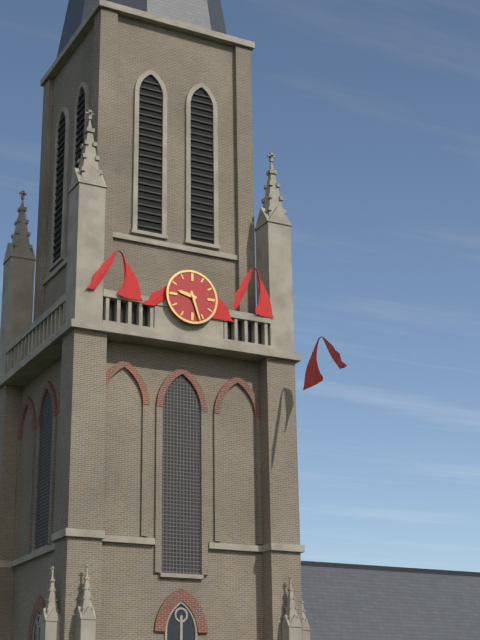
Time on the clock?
9:27
